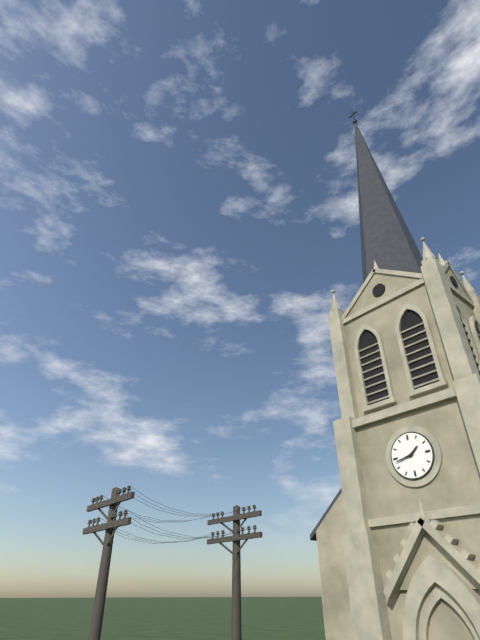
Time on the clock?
1:43
